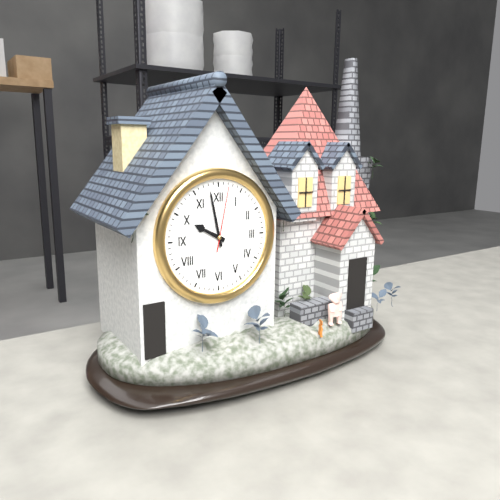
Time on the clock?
9:58:02
